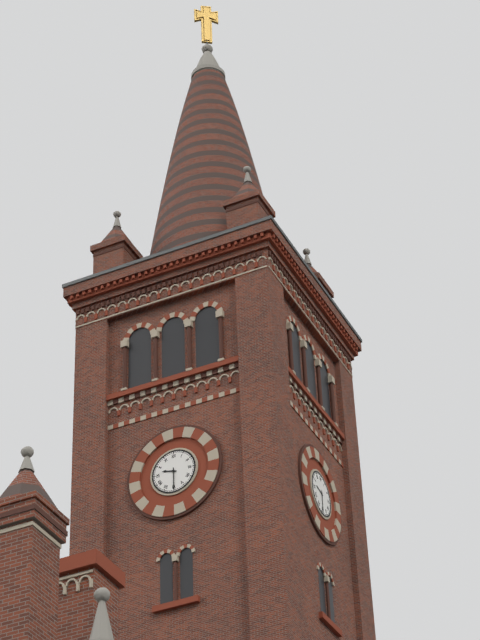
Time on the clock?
9:30
